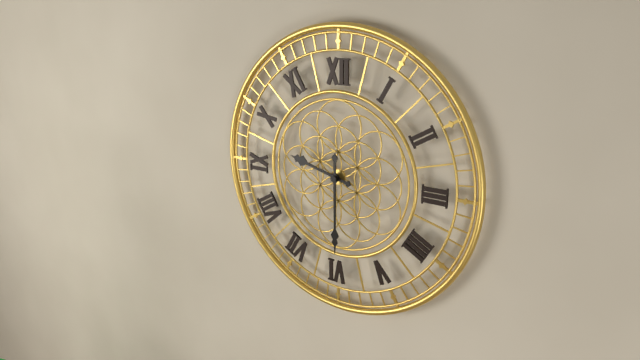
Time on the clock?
9:30
